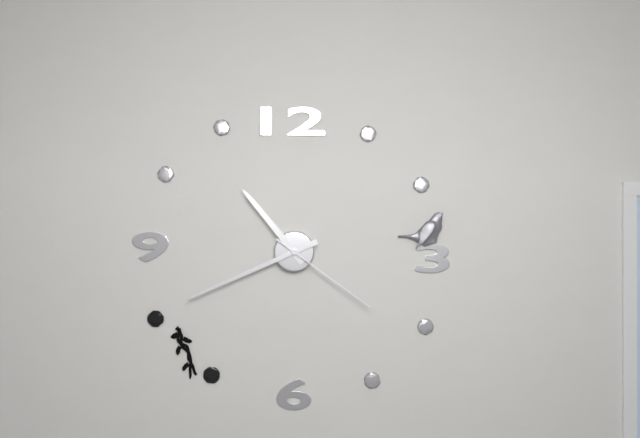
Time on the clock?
10:41:21
